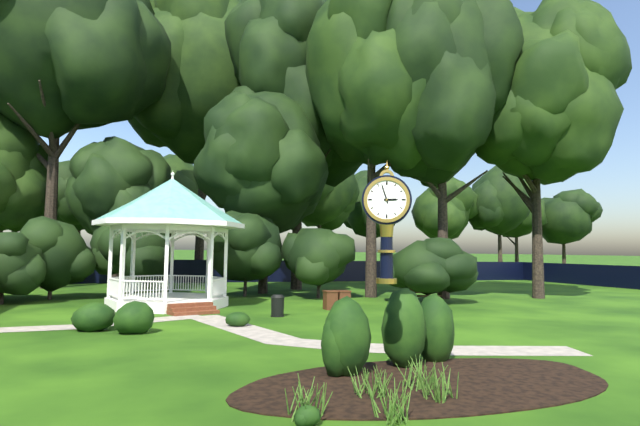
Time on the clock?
2:57
